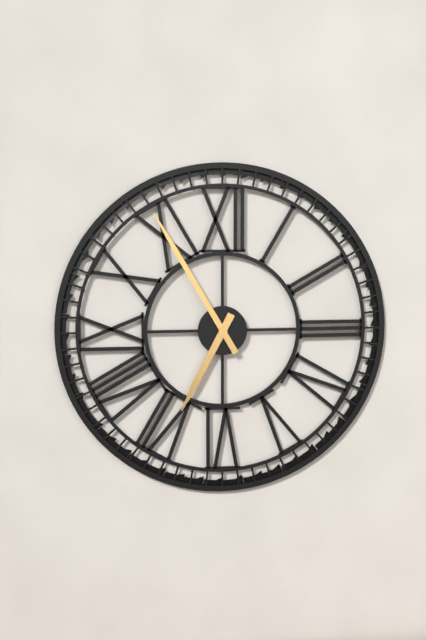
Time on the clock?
6:55
